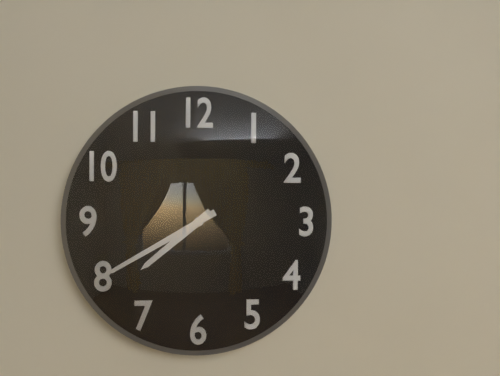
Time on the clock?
7:40
